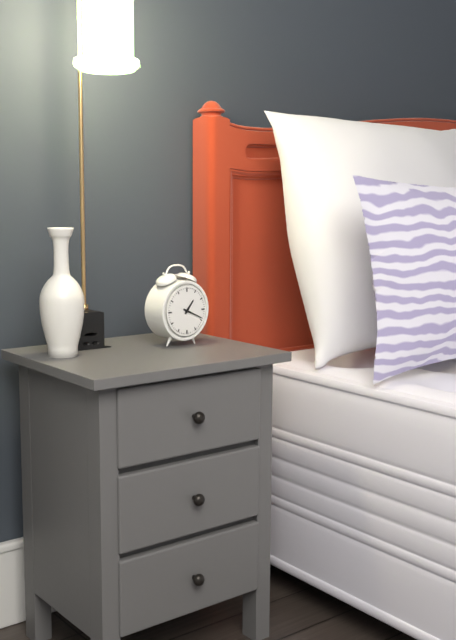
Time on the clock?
1:19
